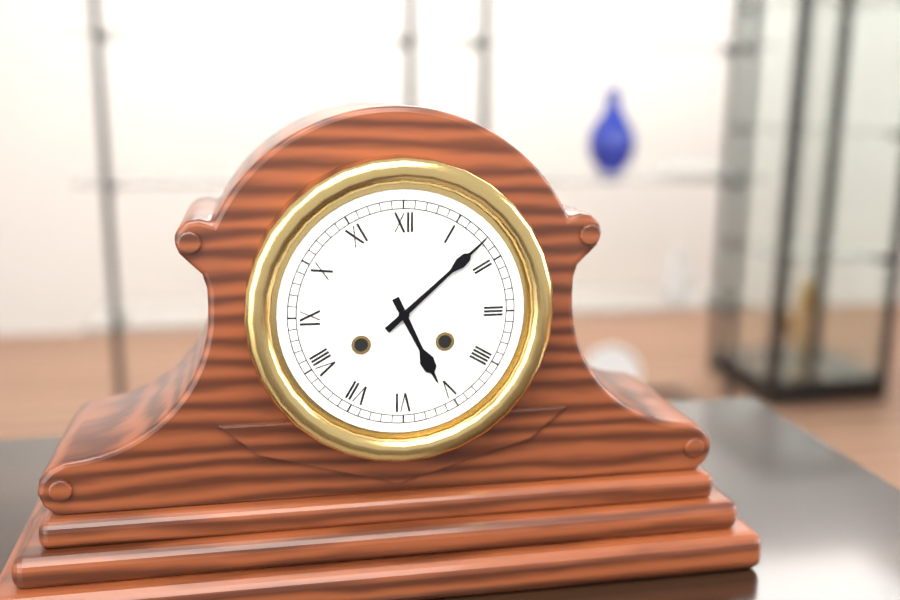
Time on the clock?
5:08
